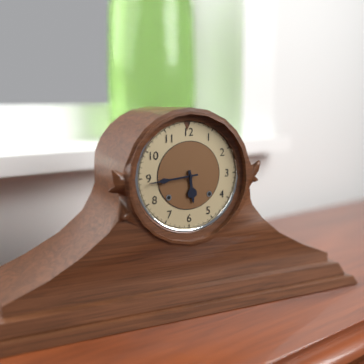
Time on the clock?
5:44
